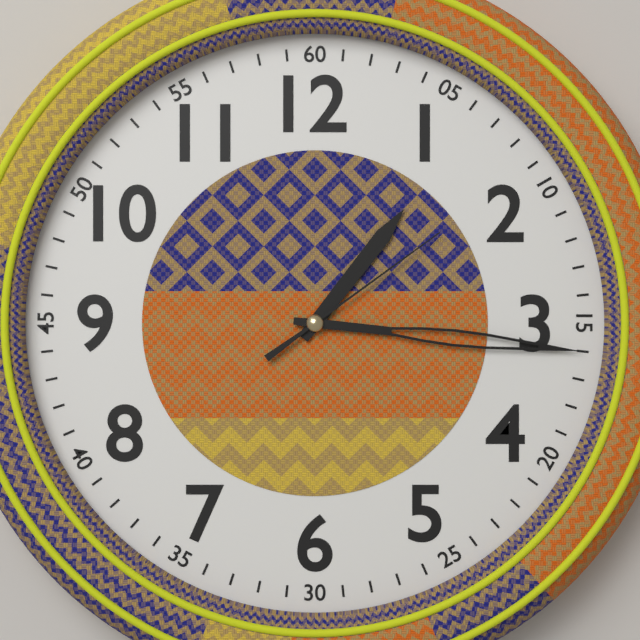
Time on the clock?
1:16:09
